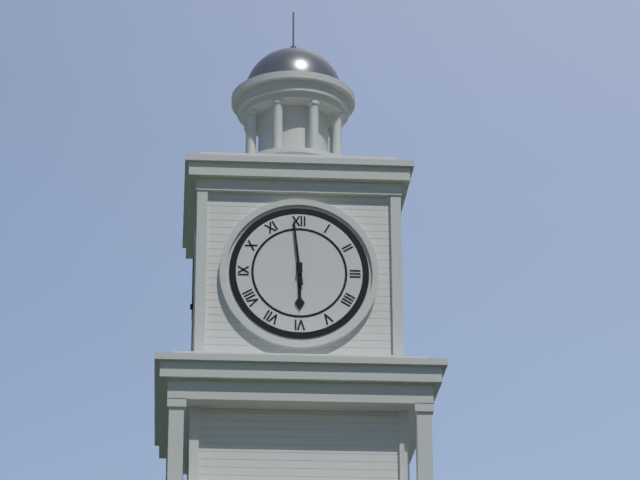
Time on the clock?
5:59
